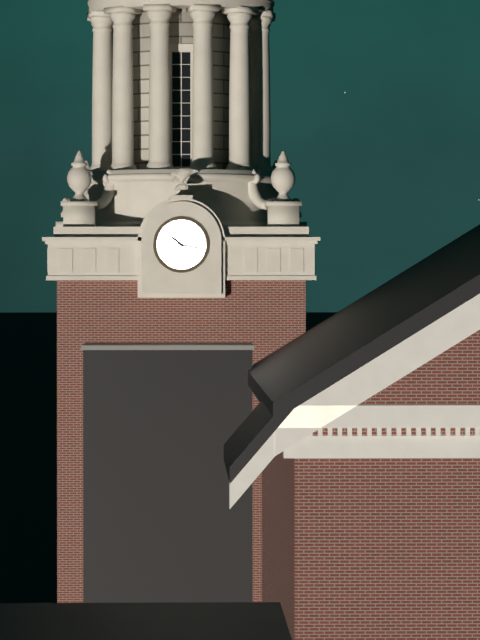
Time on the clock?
10:17
